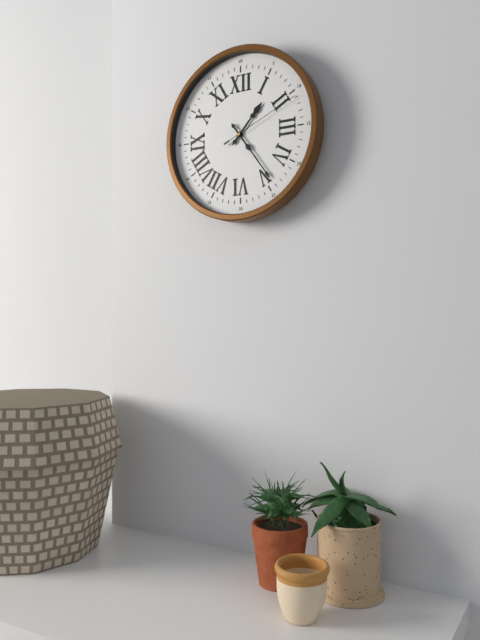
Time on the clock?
1:24:11
